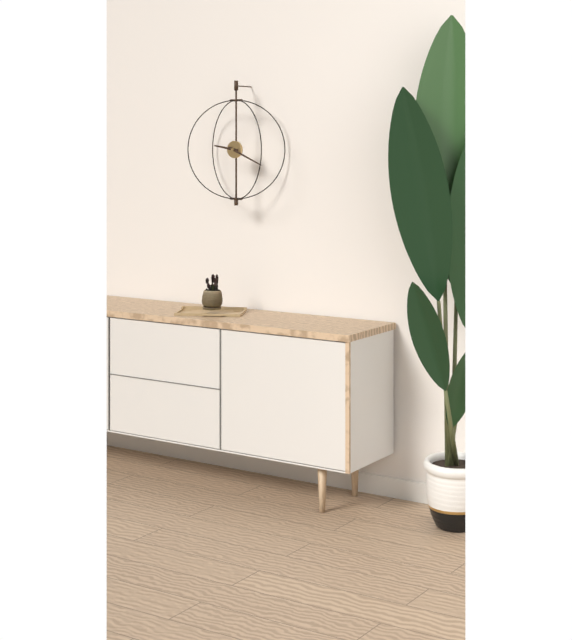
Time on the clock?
9:19
